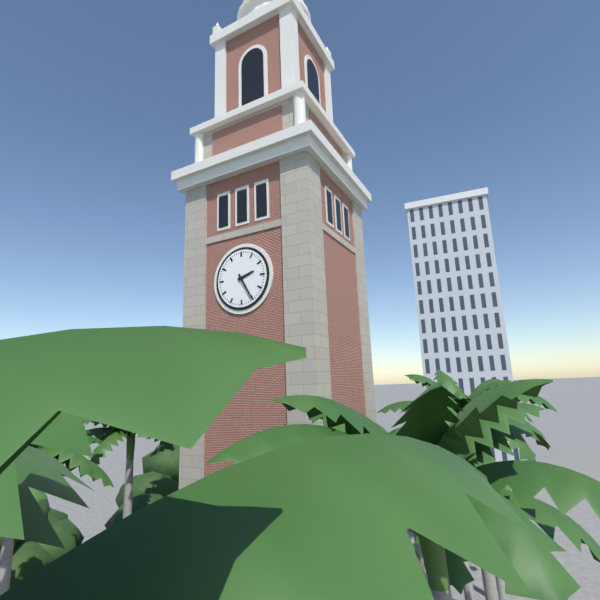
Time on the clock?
2:25
